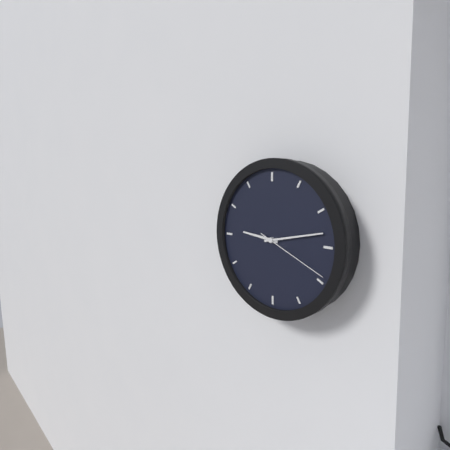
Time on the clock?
9:13:19
